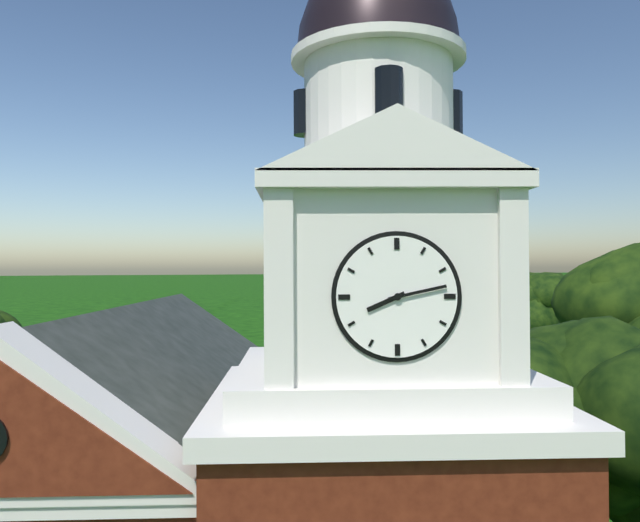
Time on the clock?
8:13
